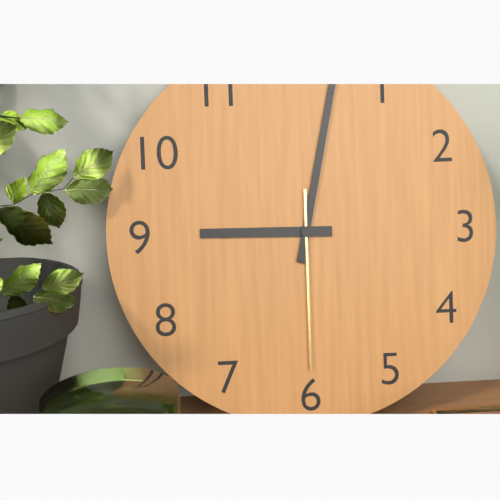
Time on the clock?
9:02:30
